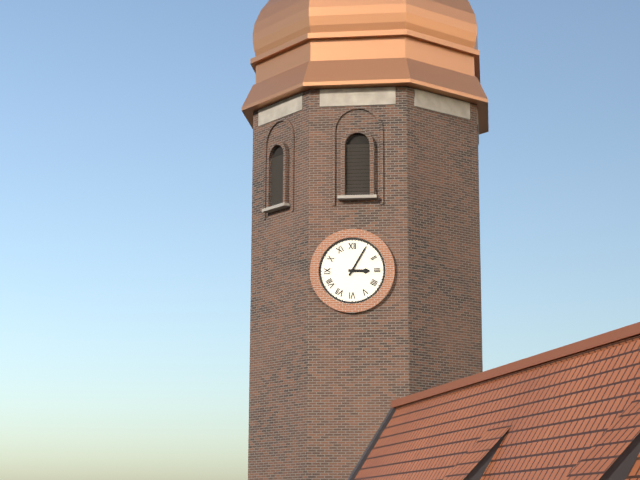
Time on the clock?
3:05
